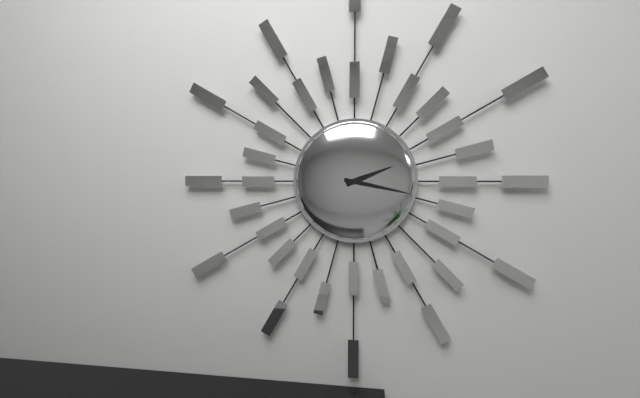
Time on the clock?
2:17
